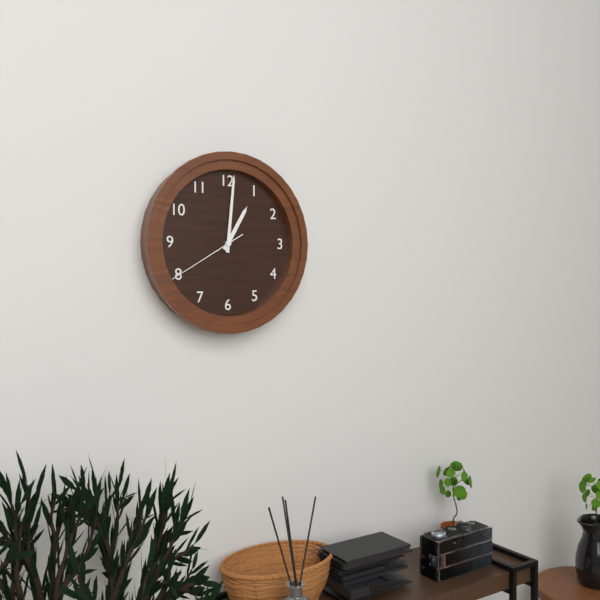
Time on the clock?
1:01:40
